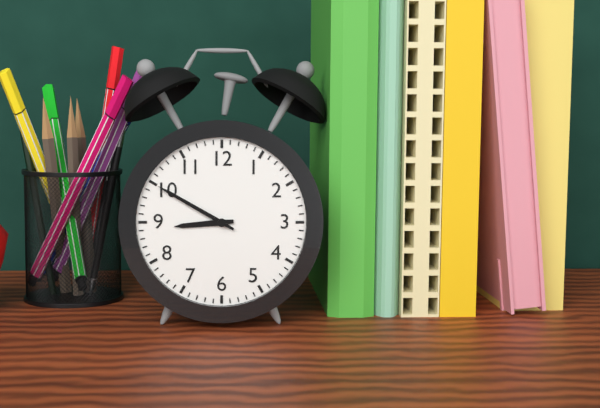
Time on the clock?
8:50
